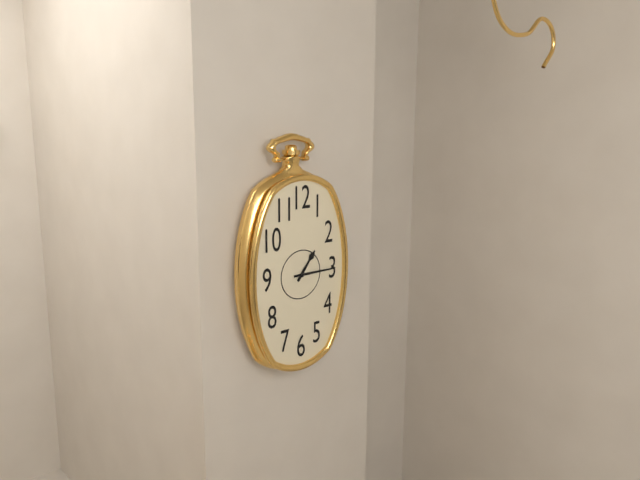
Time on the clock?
1:15
